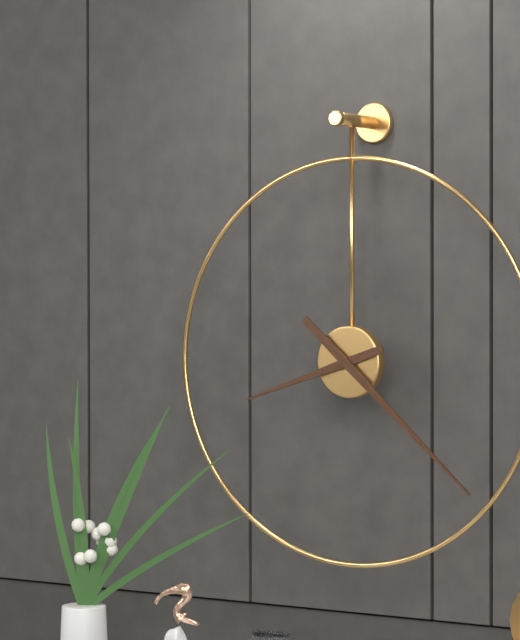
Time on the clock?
8:22
